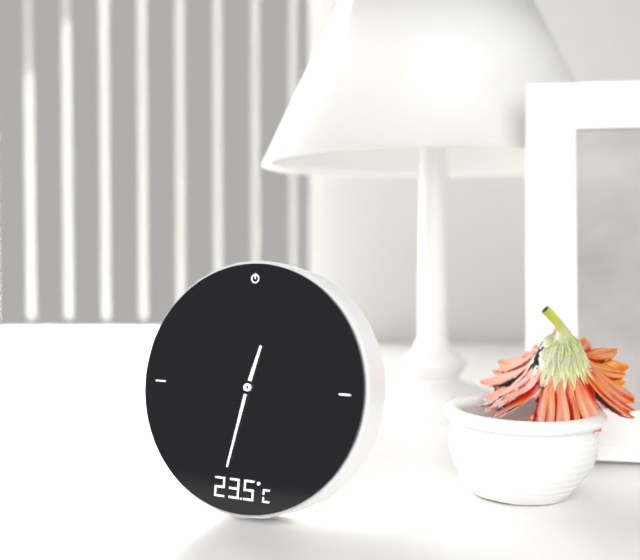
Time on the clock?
12:32
